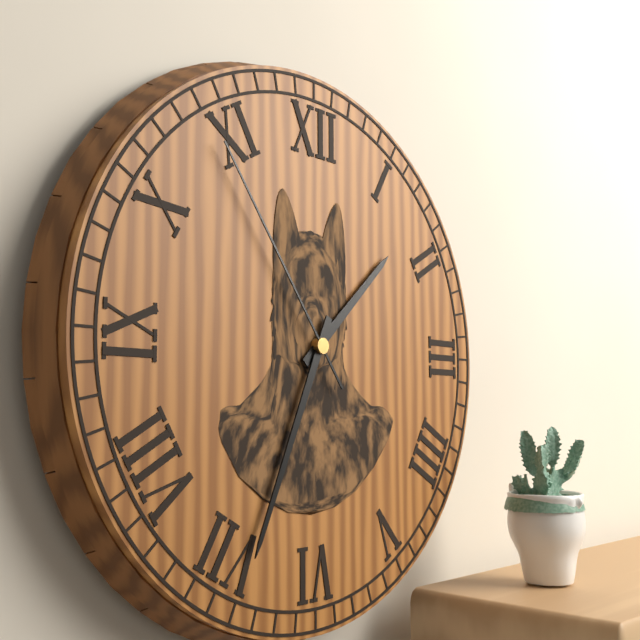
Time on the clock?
1:34:54
